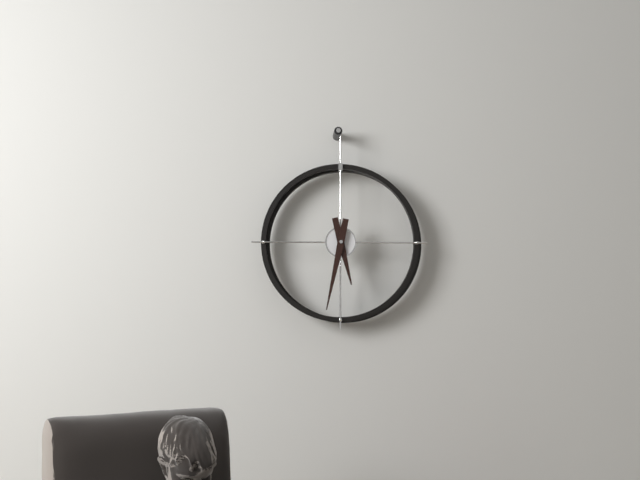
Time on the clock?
5:32
